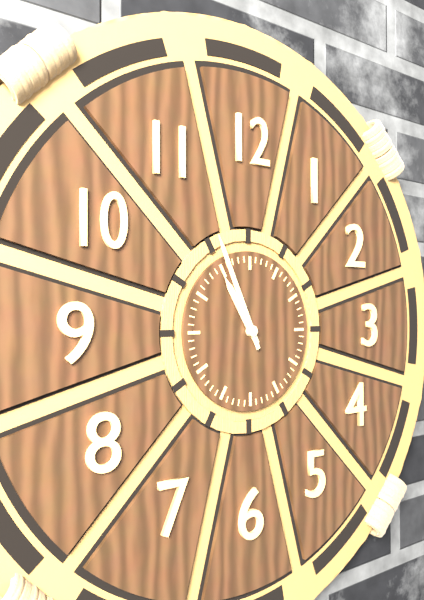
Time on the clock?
10:56
